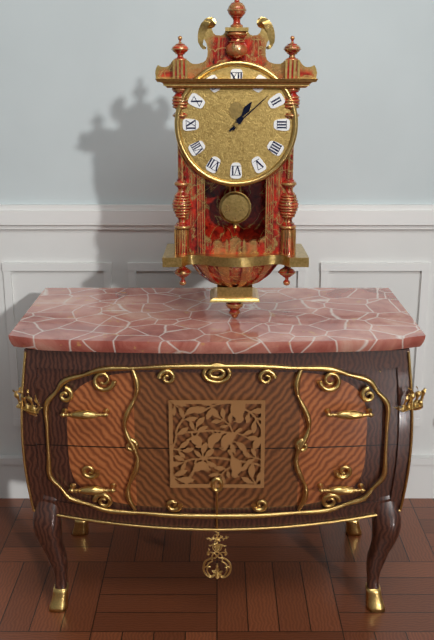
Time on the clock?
1:08
